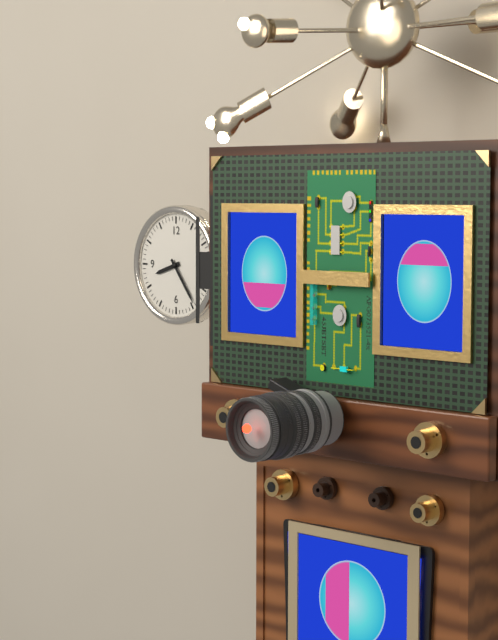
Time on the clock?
8:24
